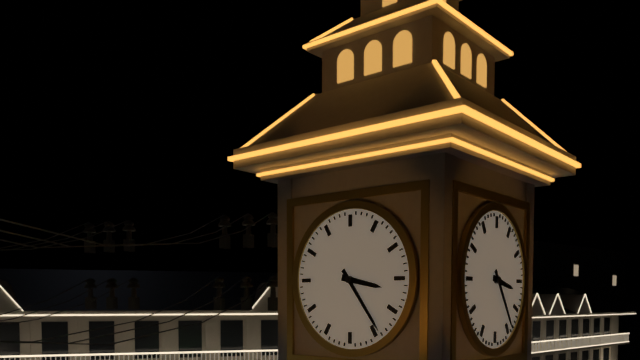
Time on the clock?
3:24
